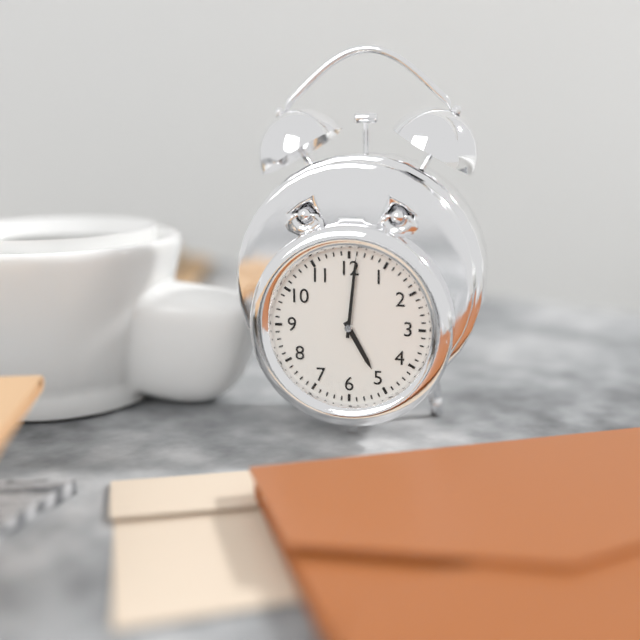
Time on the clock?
5:01
